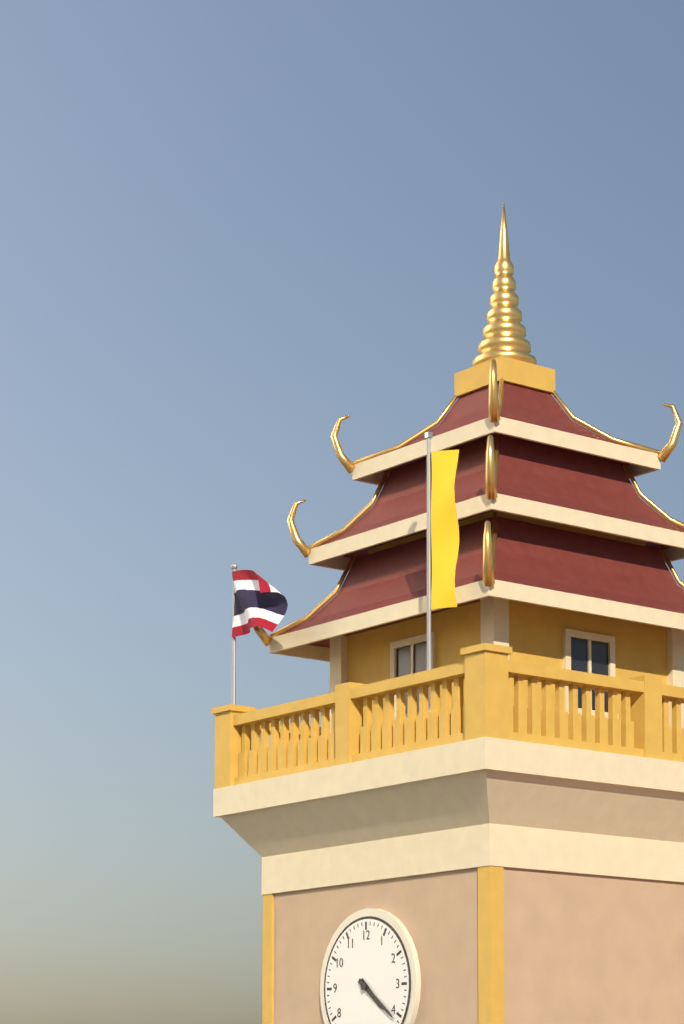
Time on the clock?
4:21
